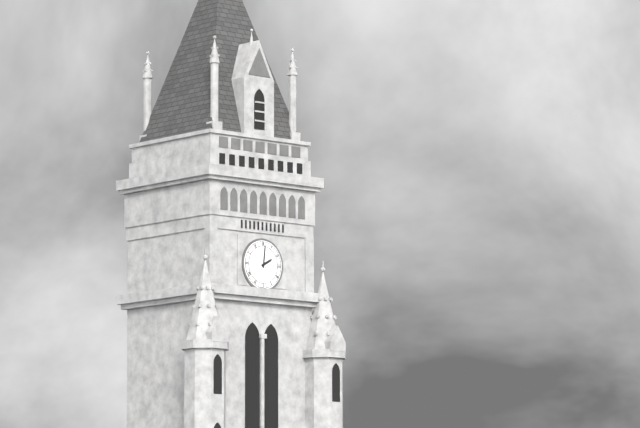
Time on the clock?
2:01
